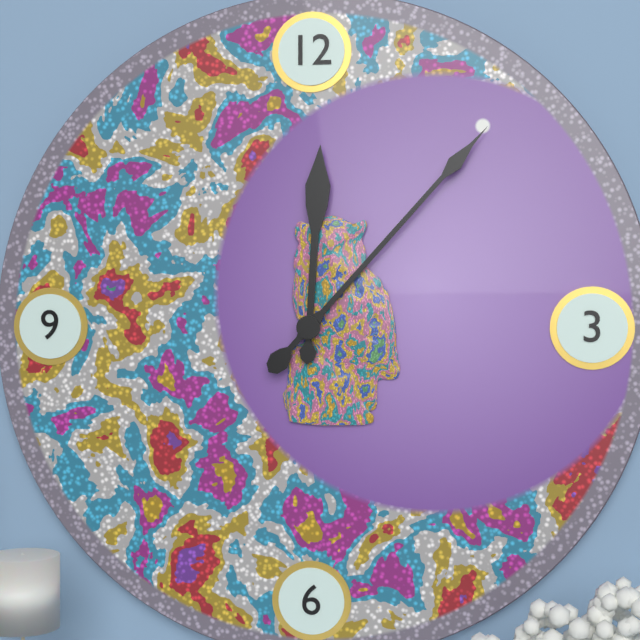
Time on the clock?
12:07
